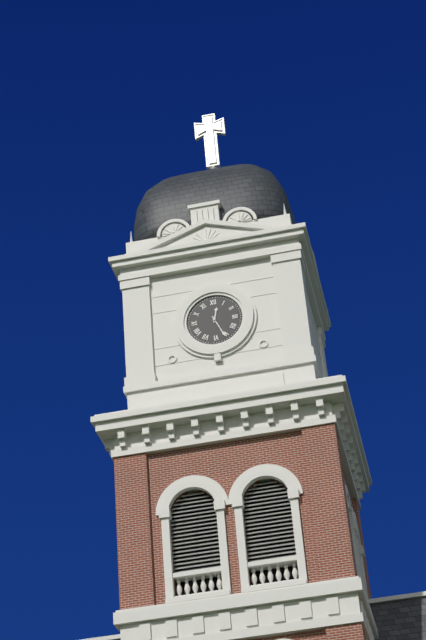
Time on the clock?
12:26
